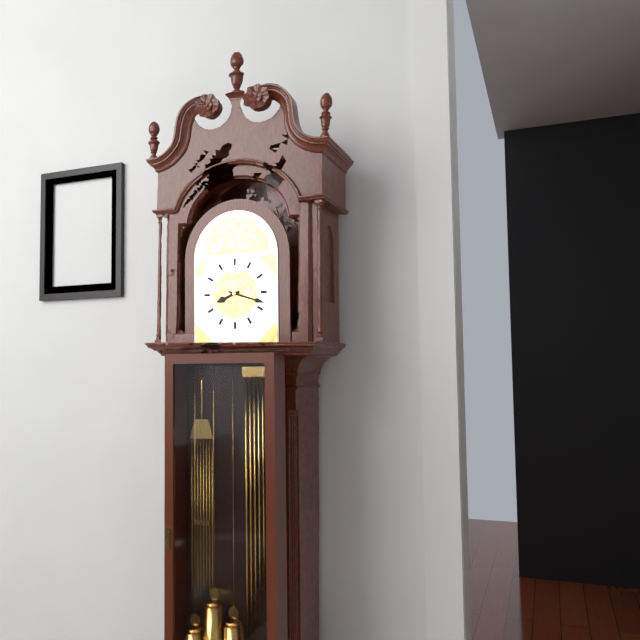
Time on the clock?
8:18
